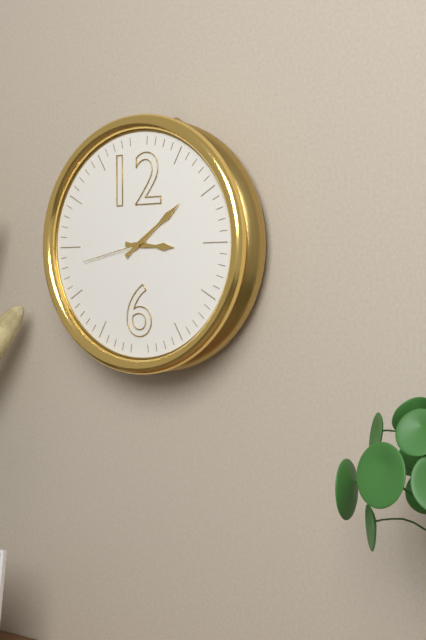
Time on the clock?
3:09:43
